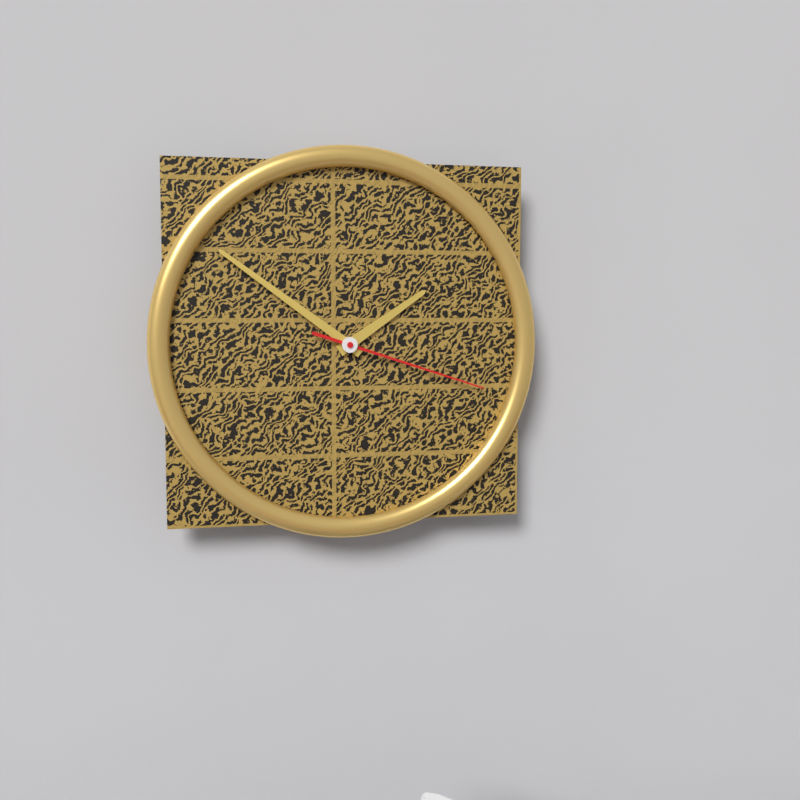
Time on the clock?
1:51:18
